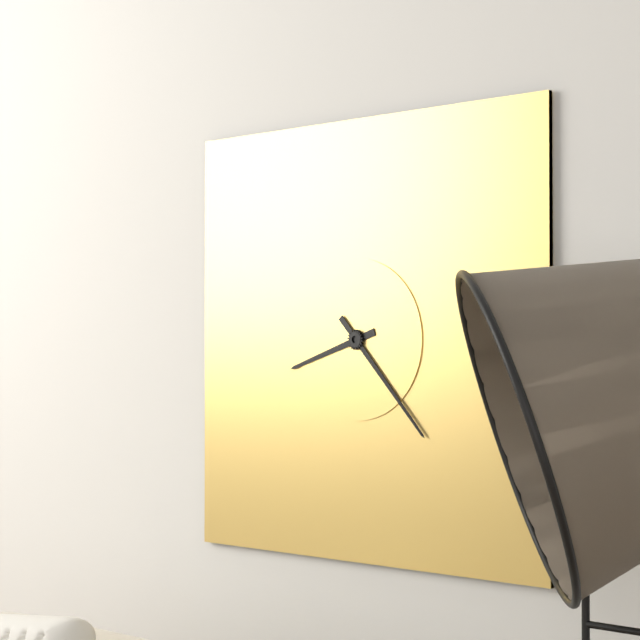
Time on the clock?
8:23
